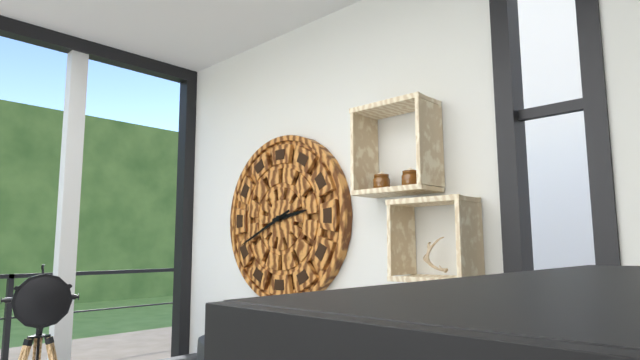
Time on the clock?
2:41
